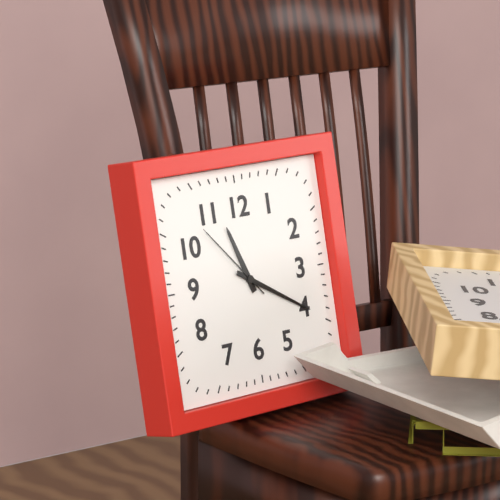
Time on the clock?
11:20:53
